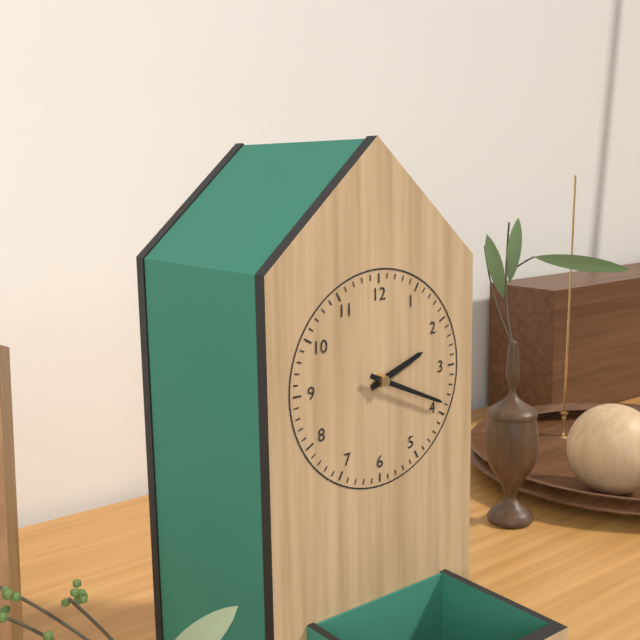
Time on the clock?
2:19
